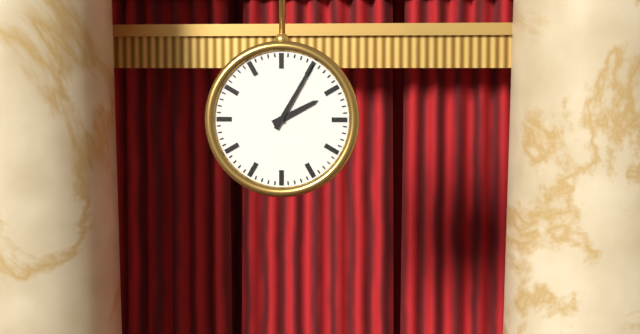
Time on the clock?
2:05
